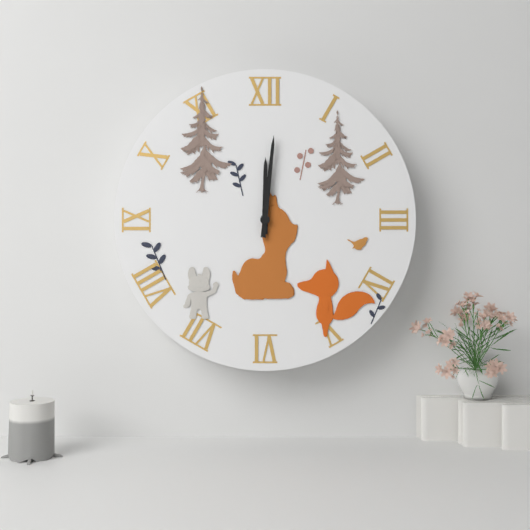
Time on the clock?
12:01
